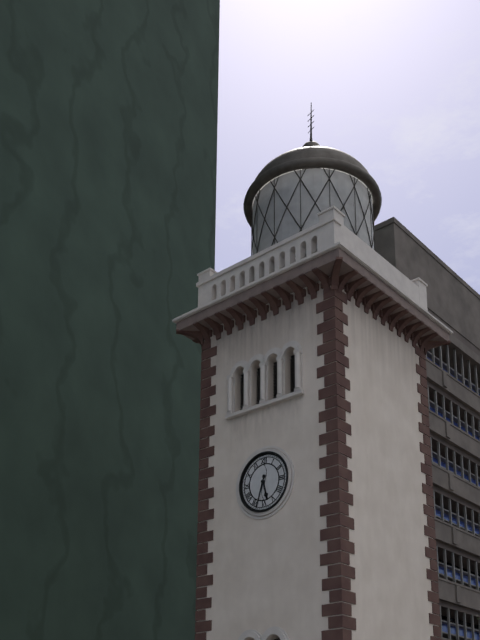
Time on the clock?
5:33
